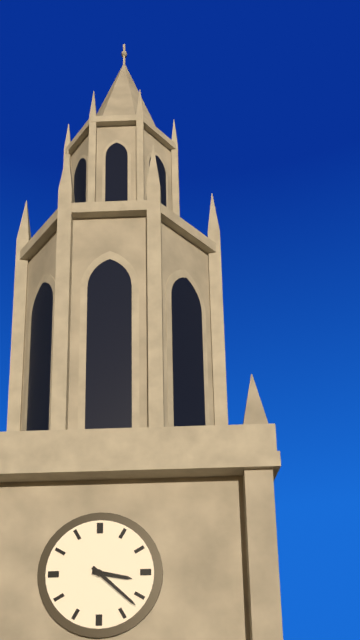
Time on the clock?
3:22
